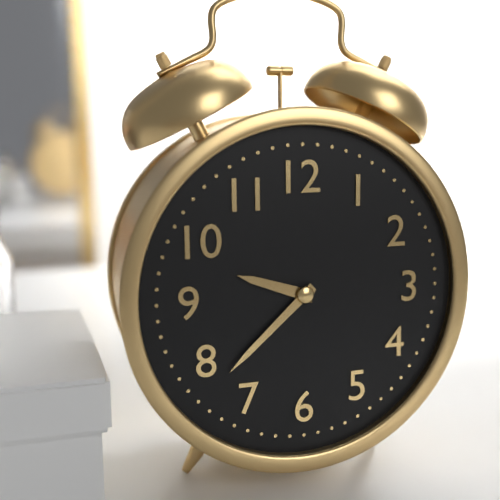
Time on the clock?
9:38
